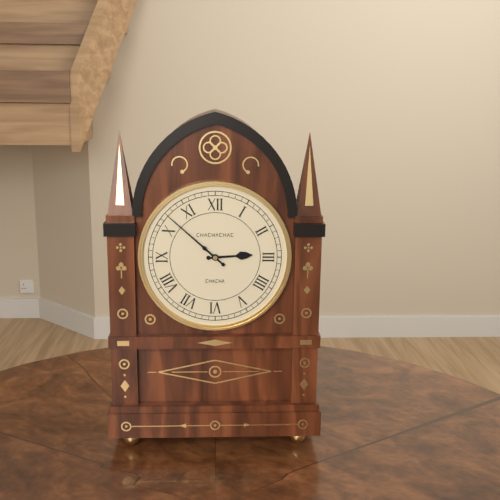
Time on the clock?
2:52
